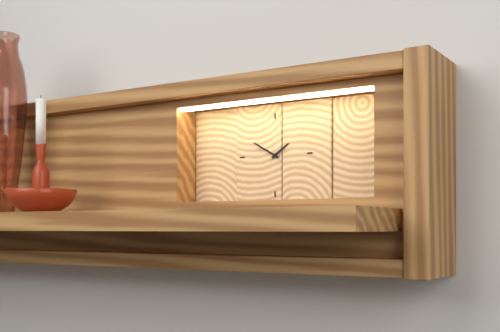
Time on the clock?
1:50
